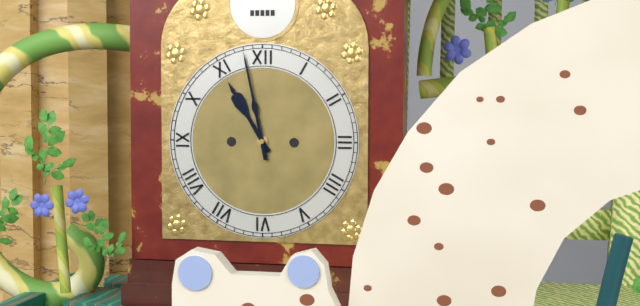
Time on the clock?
10:58
